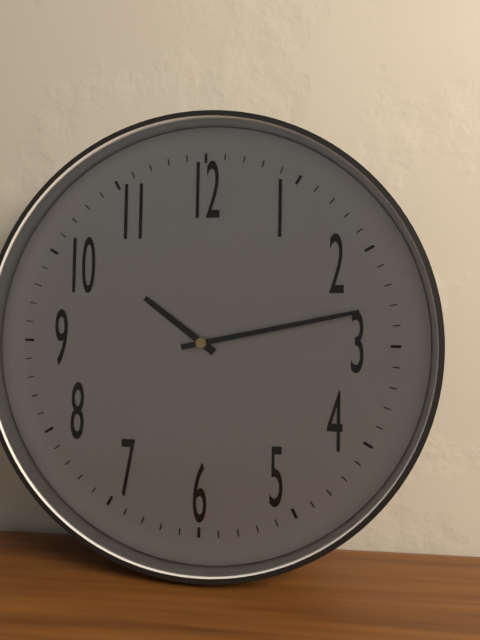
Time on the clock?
10:13
